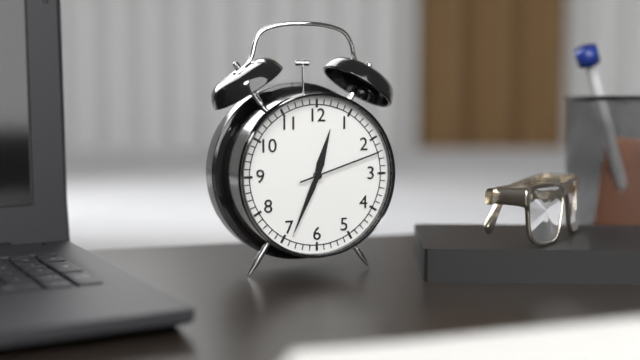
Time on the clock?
12:34:12
